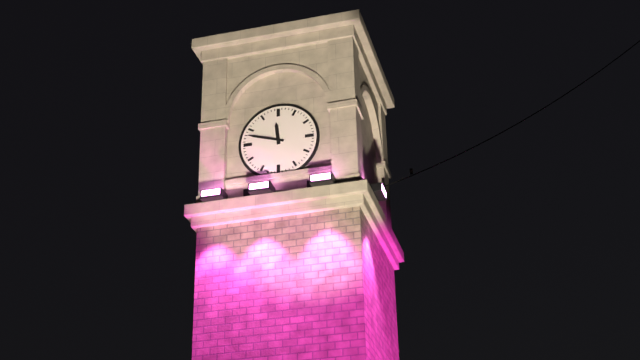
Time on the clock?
11:48
